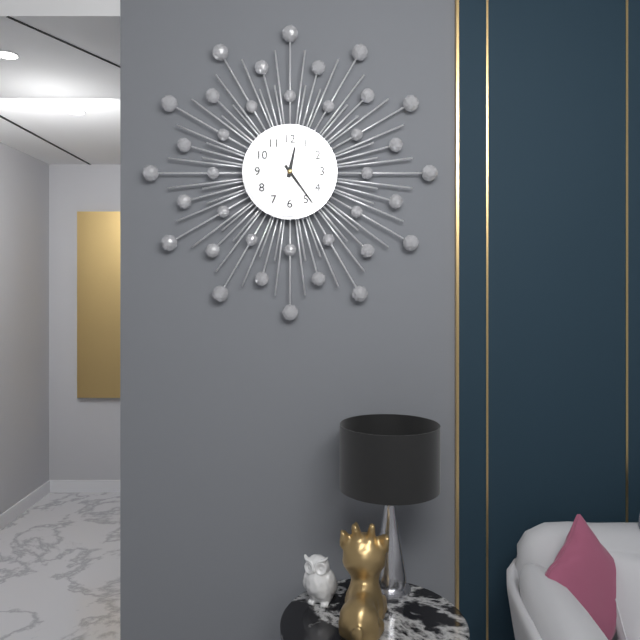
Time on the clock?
12:24
